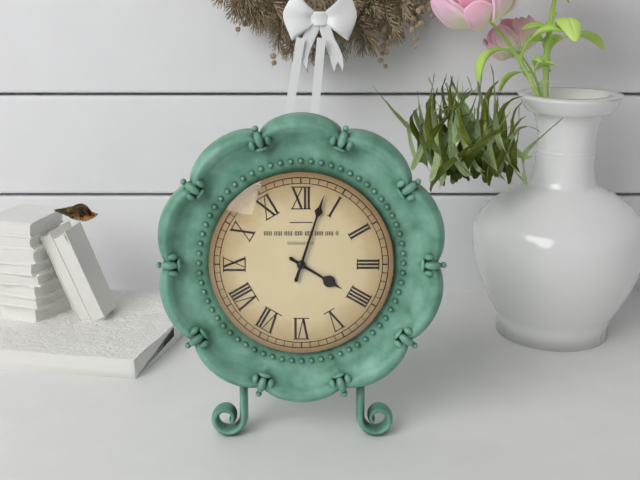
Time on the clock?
4:03
